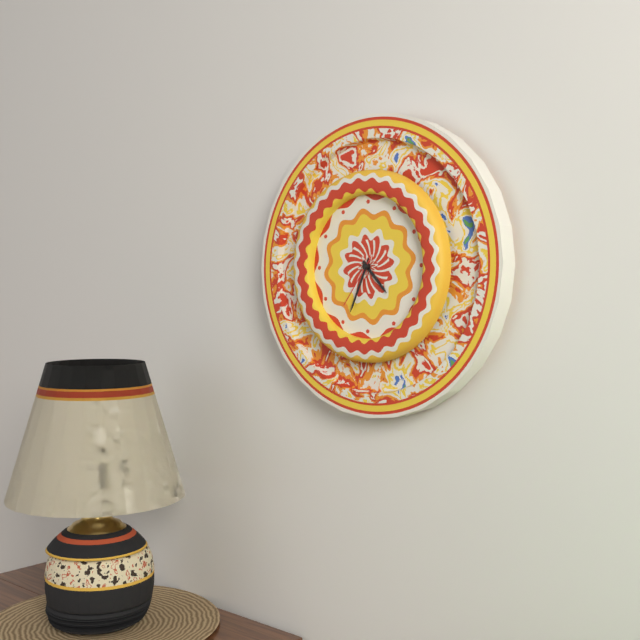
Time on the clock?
4:34:36
